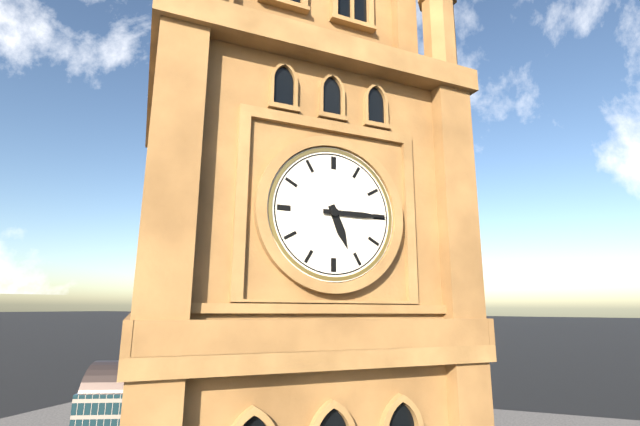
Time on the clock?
5:15
